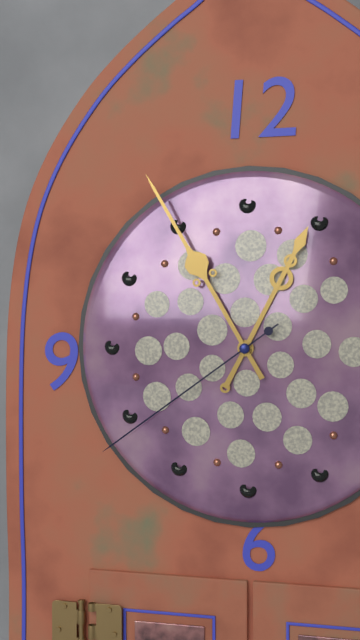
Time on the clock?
12:55:39
